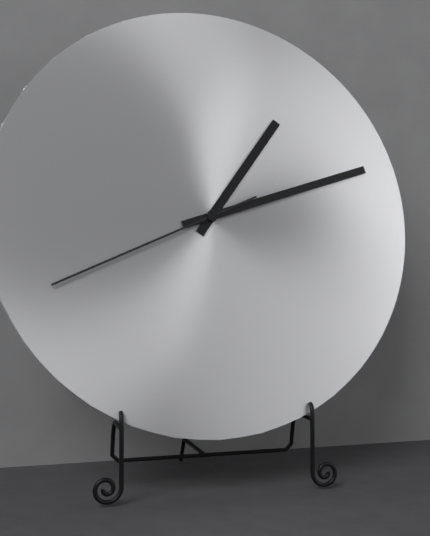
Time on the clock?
1:12:41
